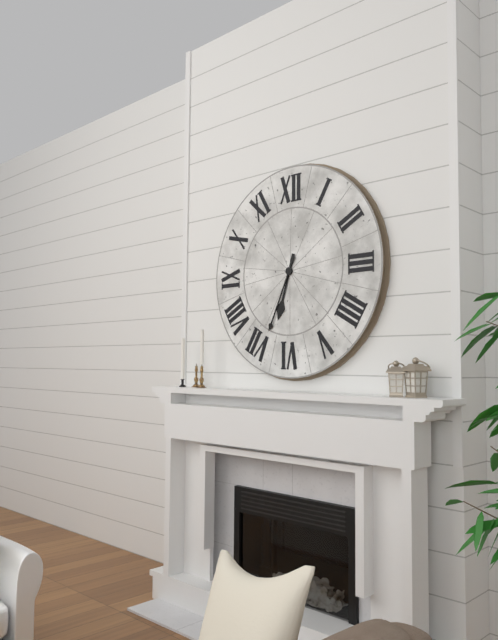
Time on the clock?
6:34
